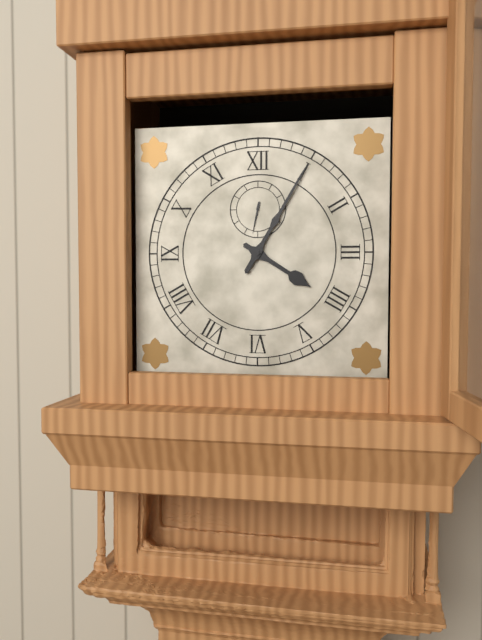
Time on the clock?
4:05
